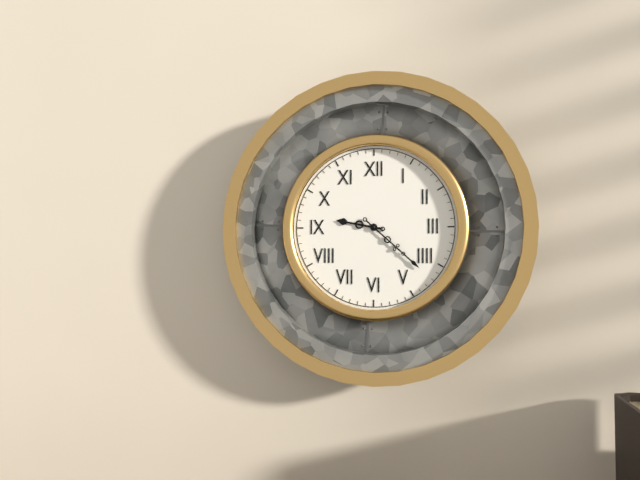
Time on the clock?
9:22
